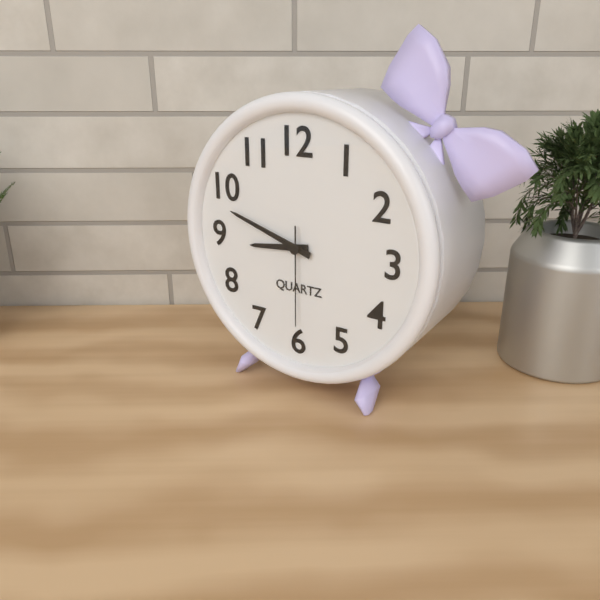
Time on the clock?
8:48:30
